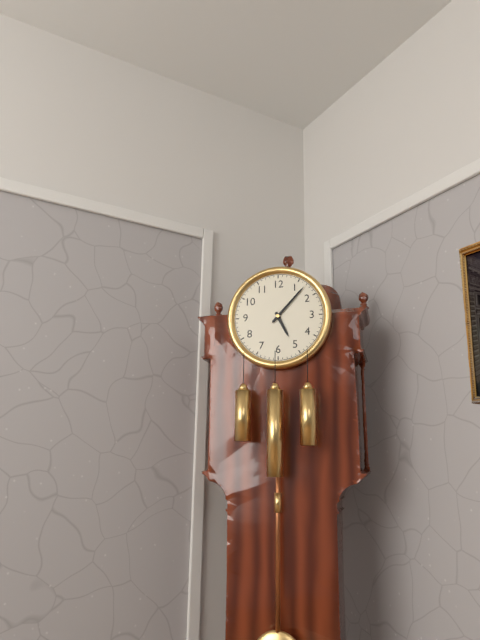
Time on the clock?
5:07
